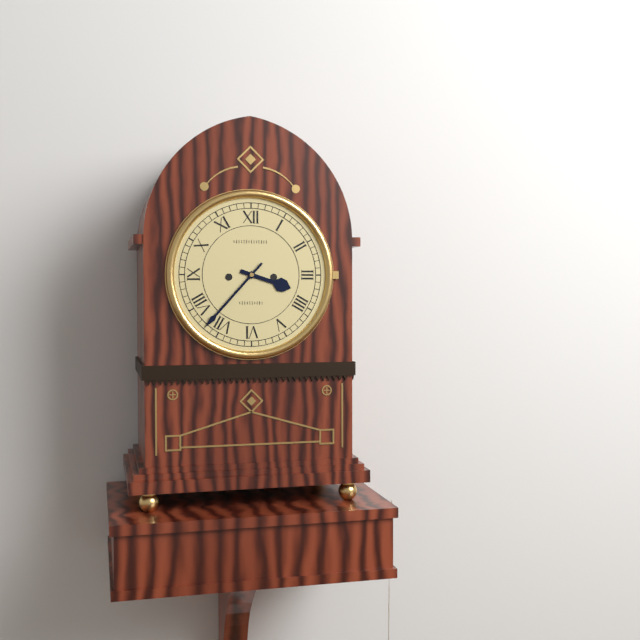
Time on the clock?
3:37
